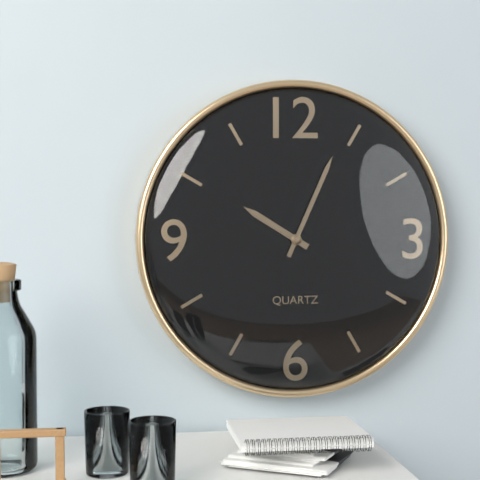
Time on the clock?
10:04
